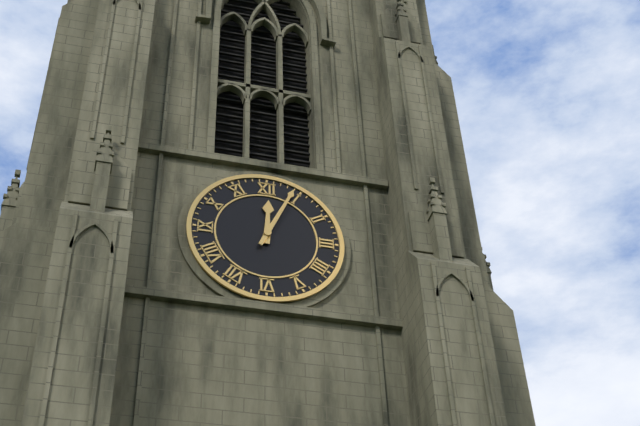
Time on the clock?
12:04
